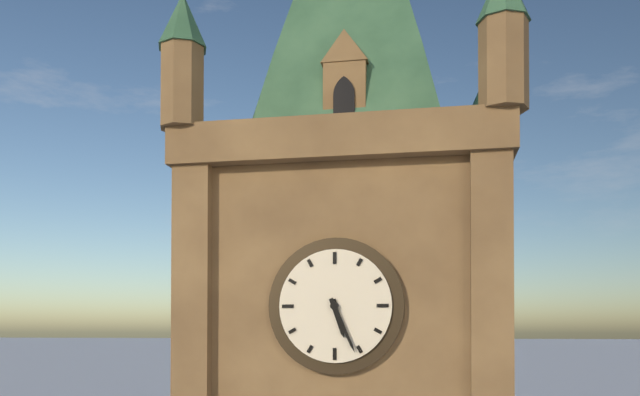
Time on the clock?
5:26
